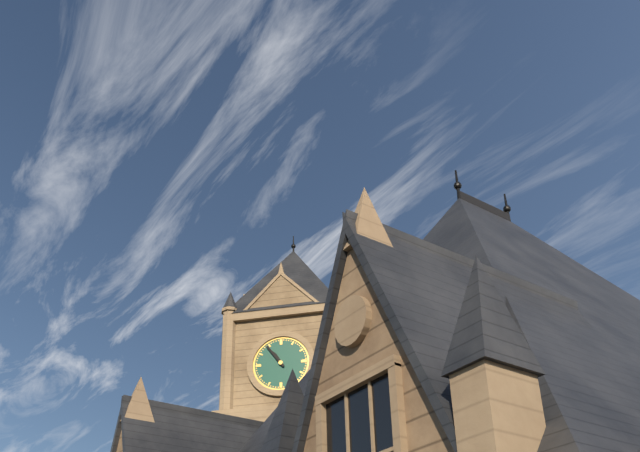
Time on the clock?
10:54
